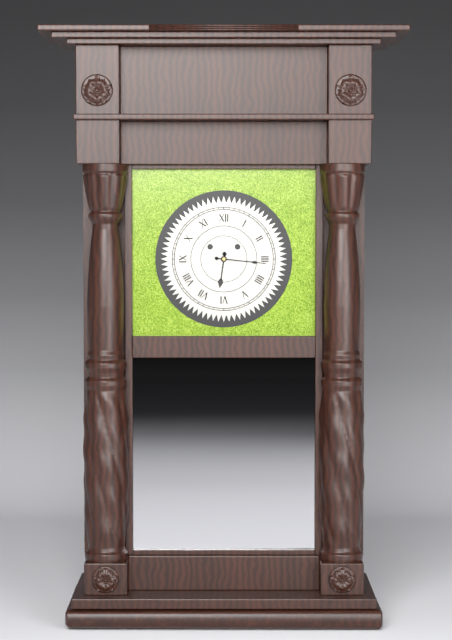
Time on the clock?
6:16
